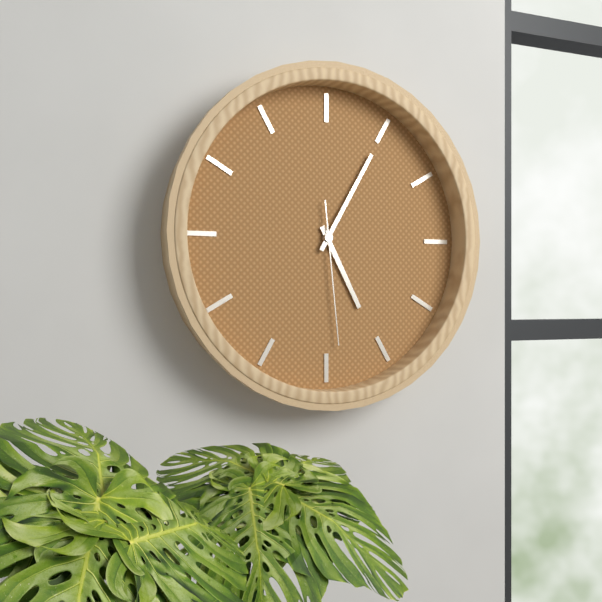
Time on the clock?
5:05:29
